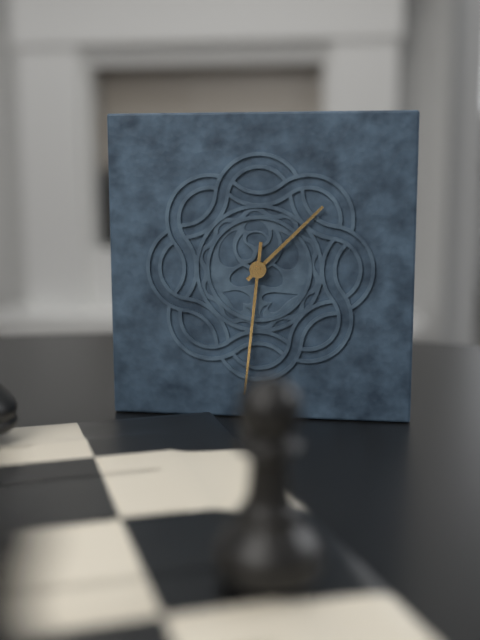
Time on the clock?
1:31
